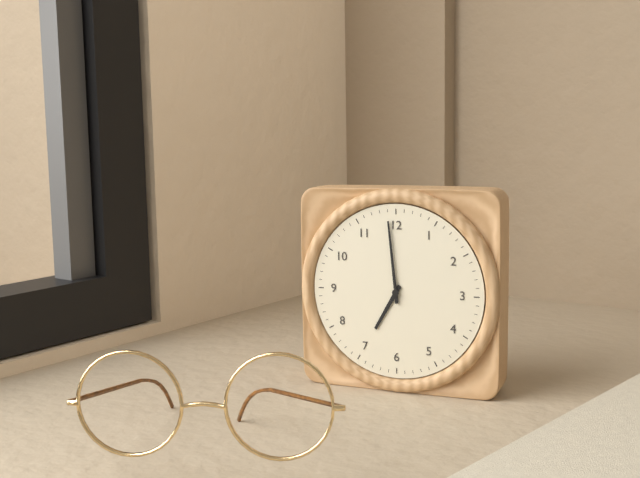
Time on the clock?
6:59
